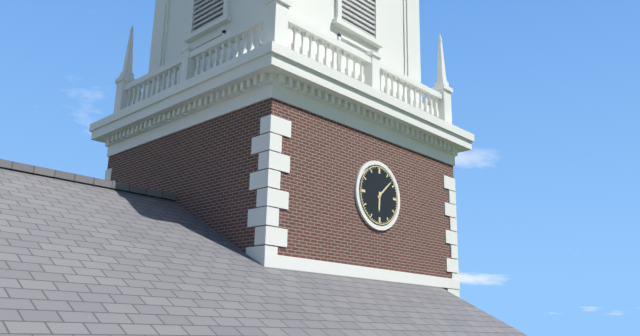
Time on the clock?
6:08
